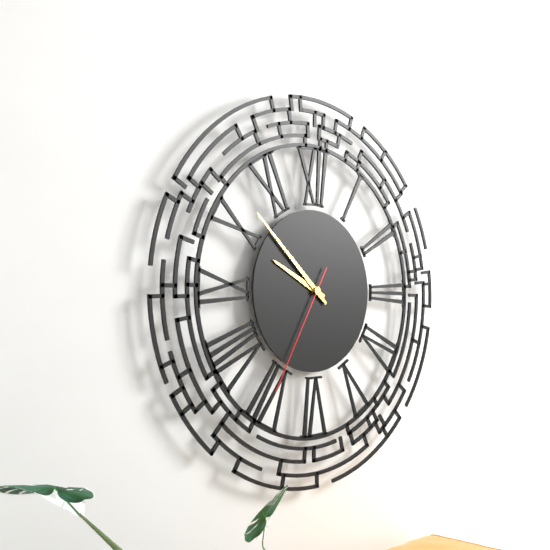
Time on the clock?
9:52:35
